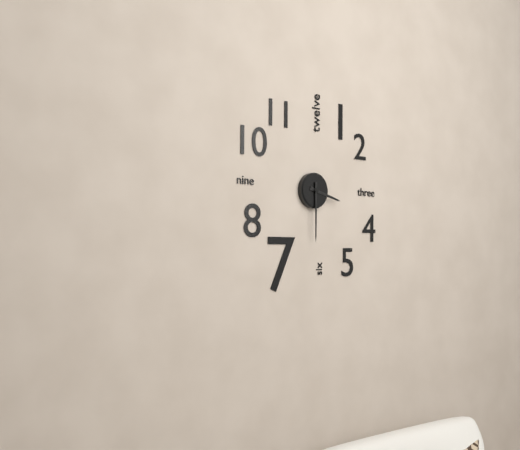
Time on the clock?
3:30
